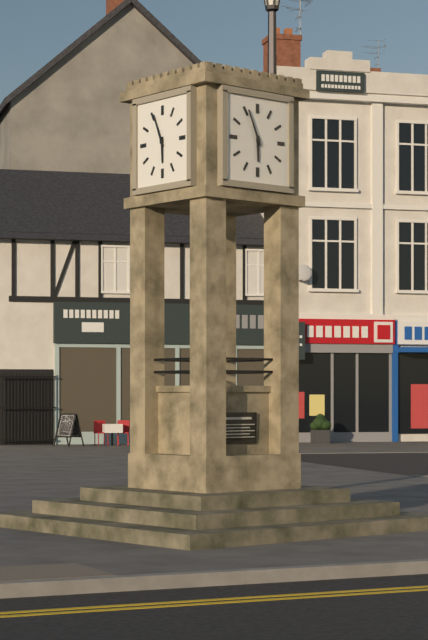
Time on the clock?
5:56
